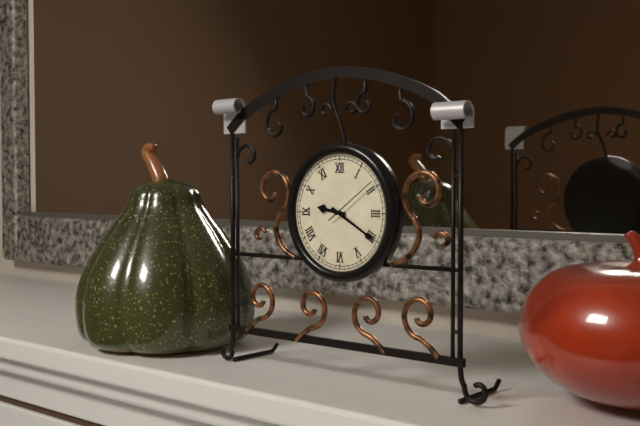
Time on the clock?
9:20:09
